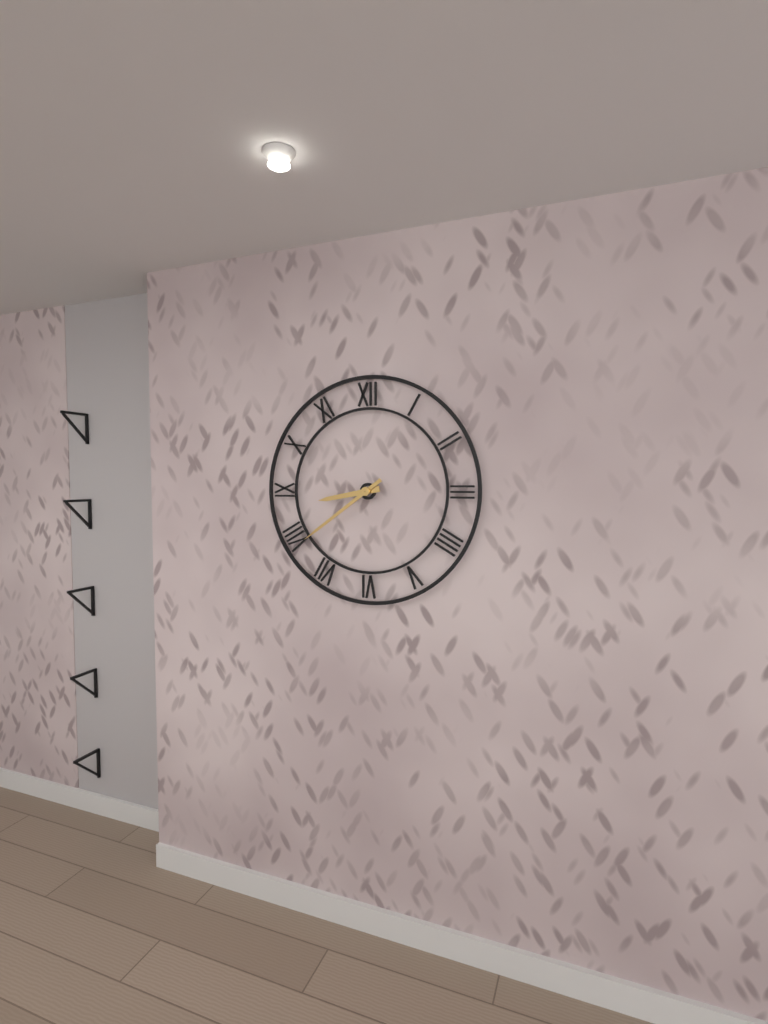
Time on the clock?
8:39
